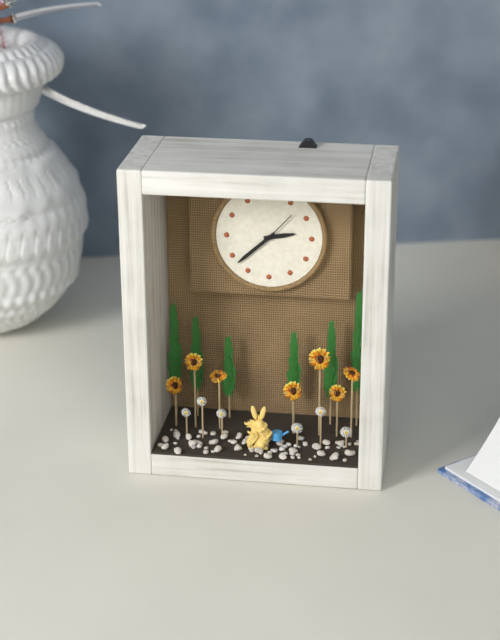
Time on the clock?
2:38
